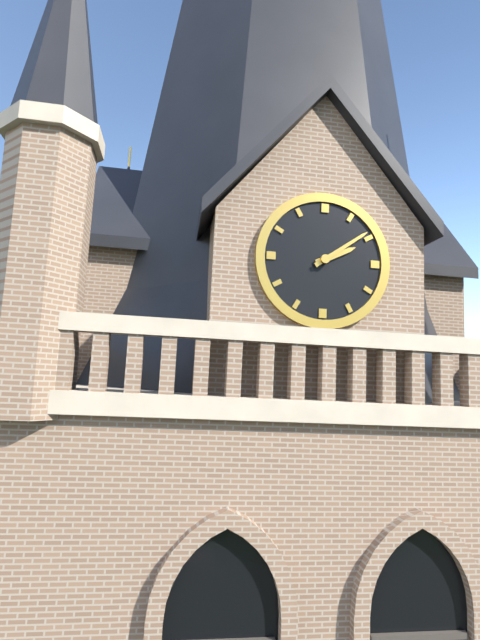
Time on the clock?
2:09
